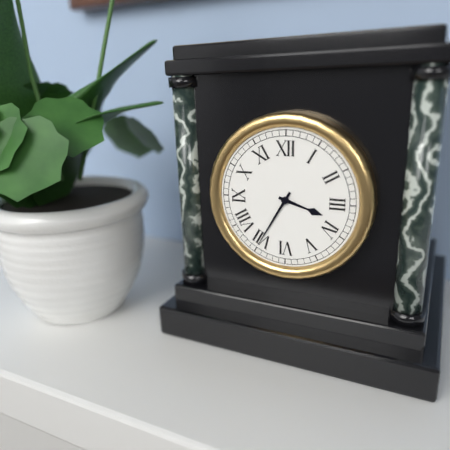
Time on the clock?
3:35
